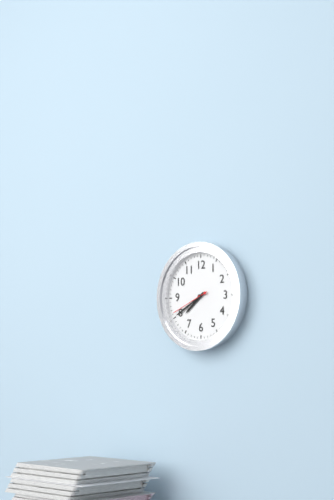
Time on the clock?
7:40
